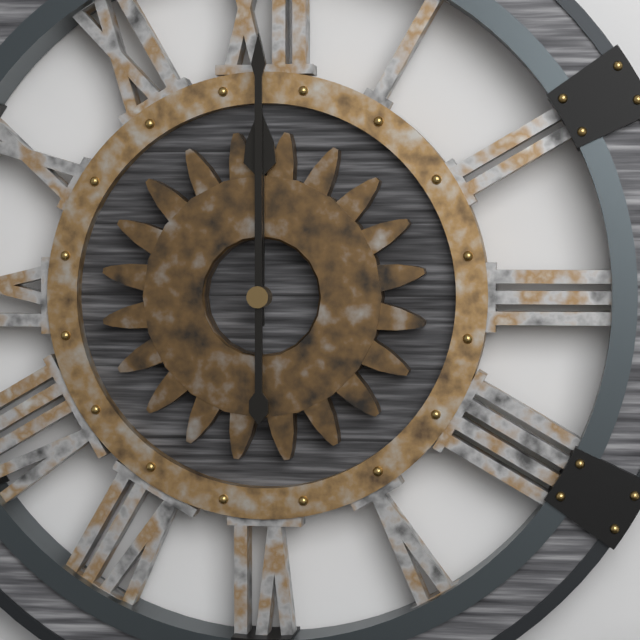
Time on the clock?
12:00
